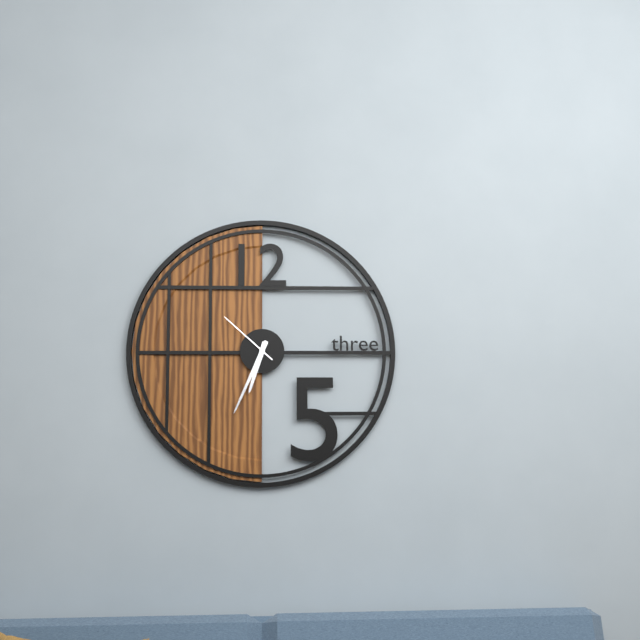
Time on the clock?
6:34:52
